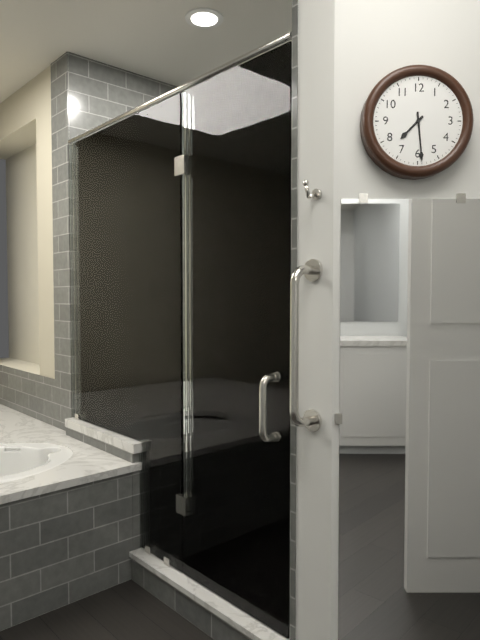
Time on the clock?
7:29
